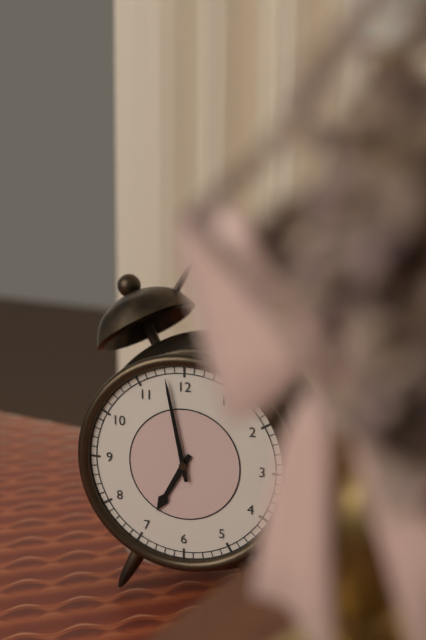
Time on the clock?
6:58
